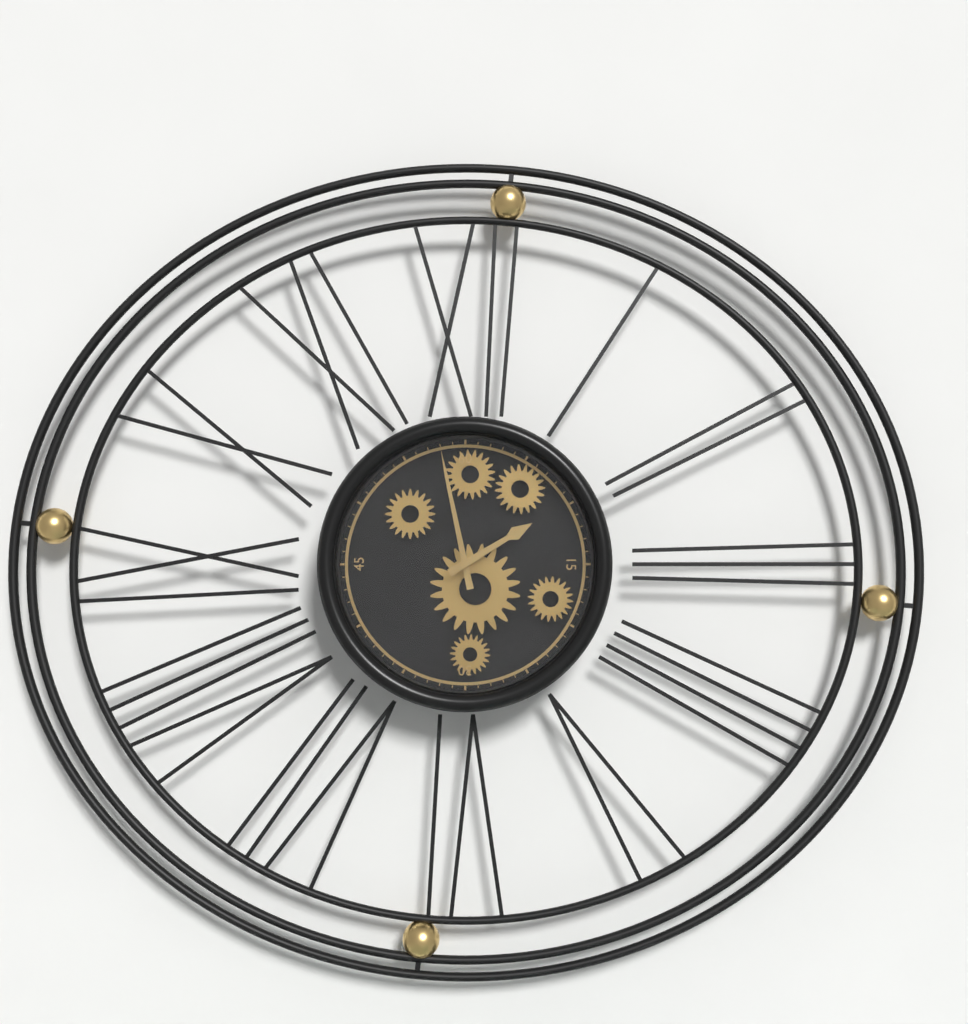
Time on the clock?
1:58
